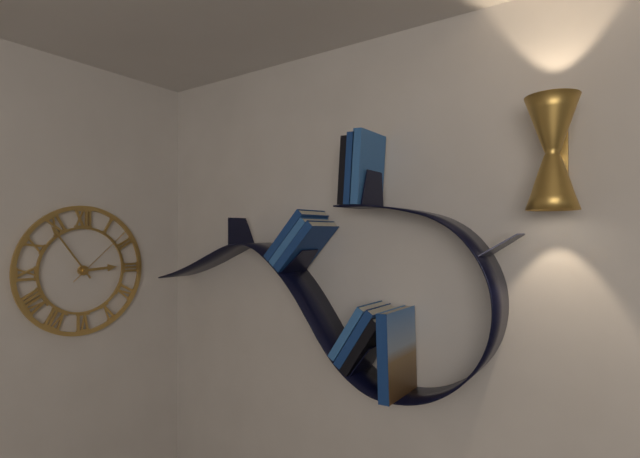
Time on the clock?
2:54:08
